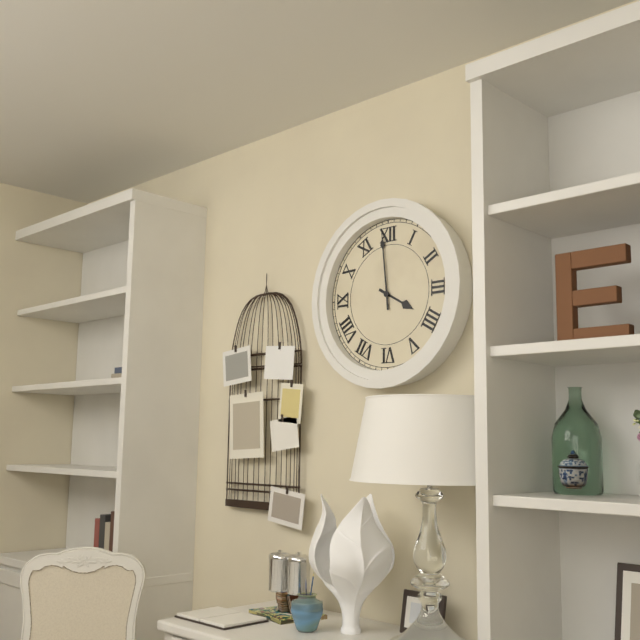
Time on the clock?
3:59
